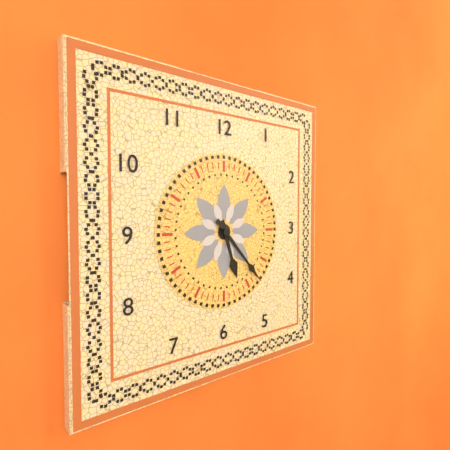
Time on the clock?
5:23
